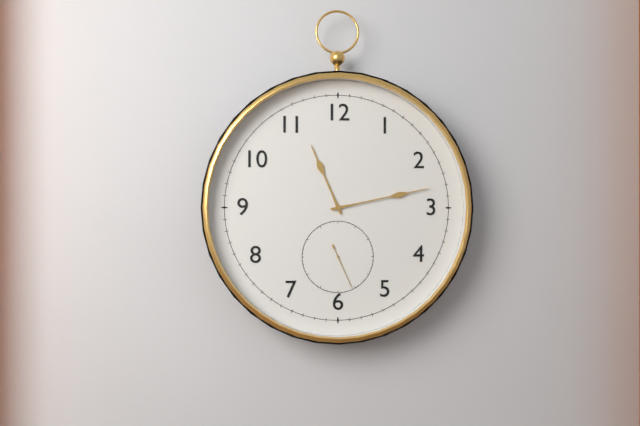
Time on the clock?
11:13
